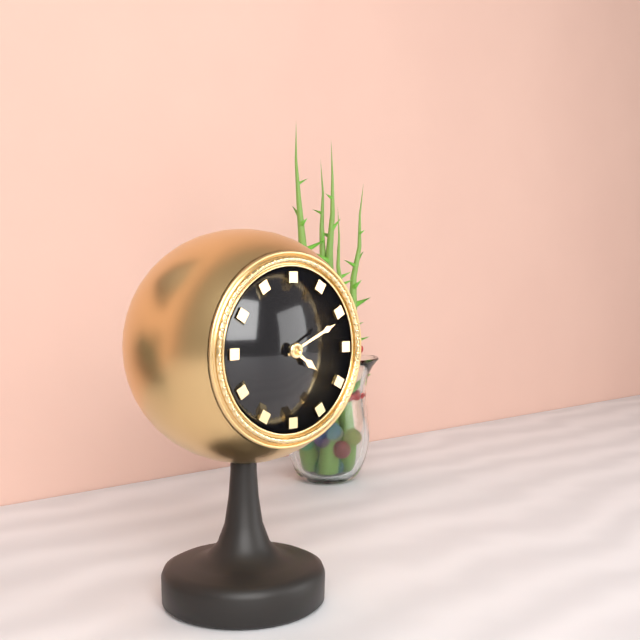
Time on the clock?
4:11
